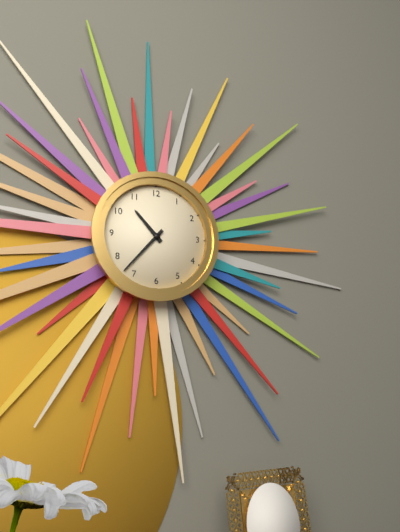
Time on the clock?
10:37
